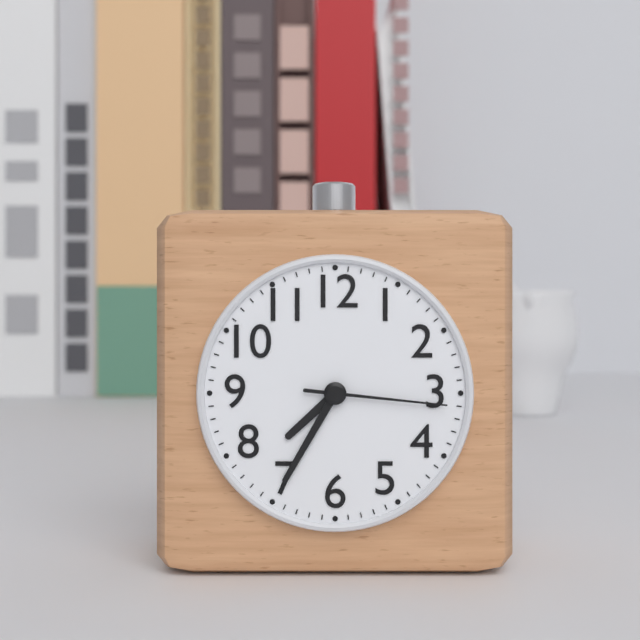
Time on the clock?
7:35:16
